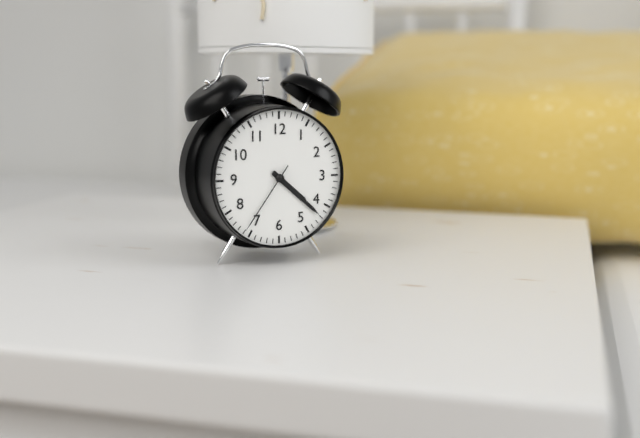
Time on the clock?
4:22:36
